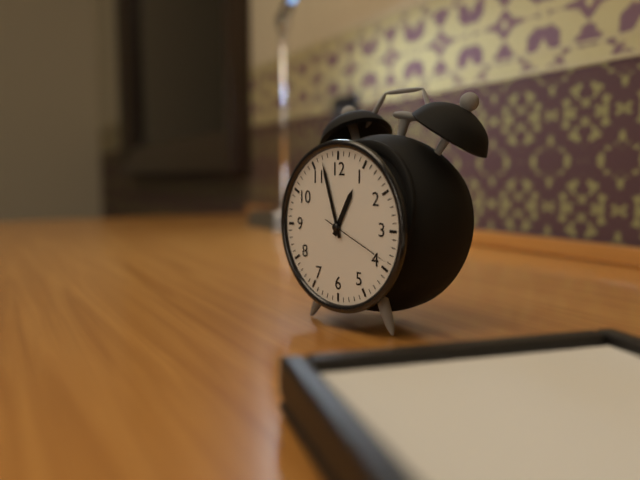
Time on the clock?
12:57:19
